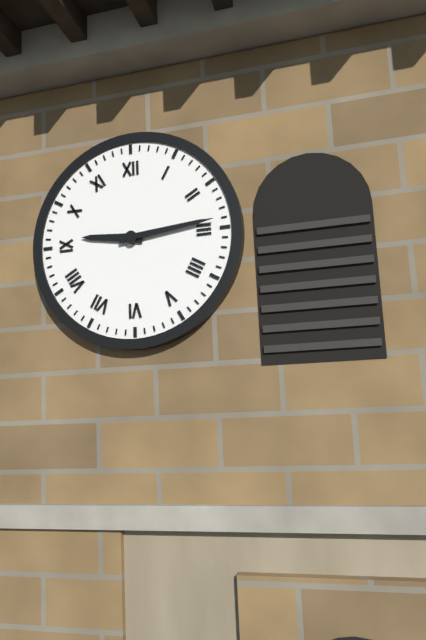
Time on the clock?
9:14
